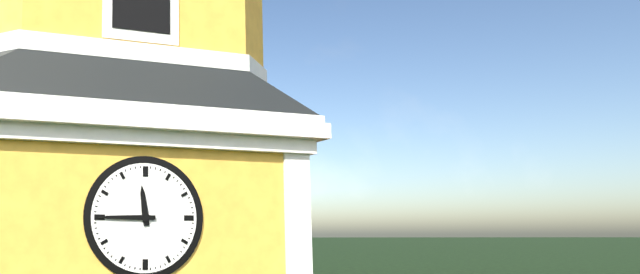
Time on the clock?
11:45
